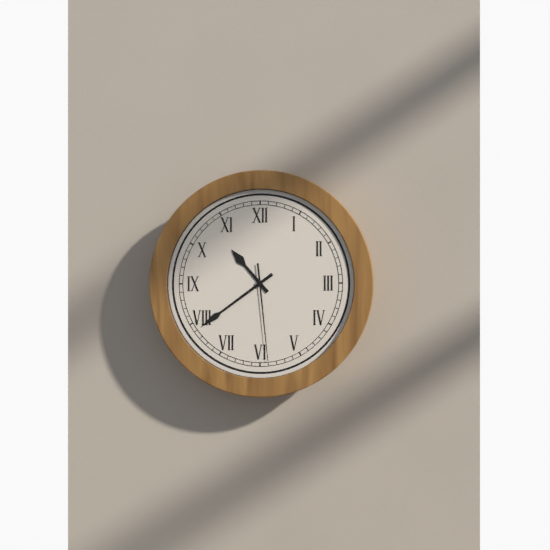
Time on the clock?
10:39:29
